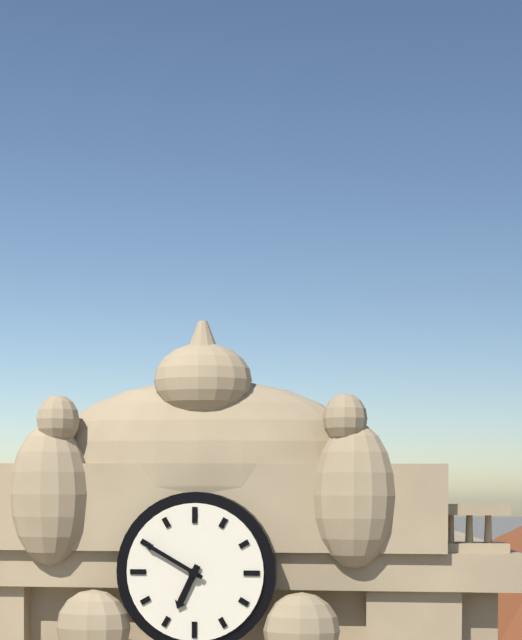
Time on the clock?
6:50
